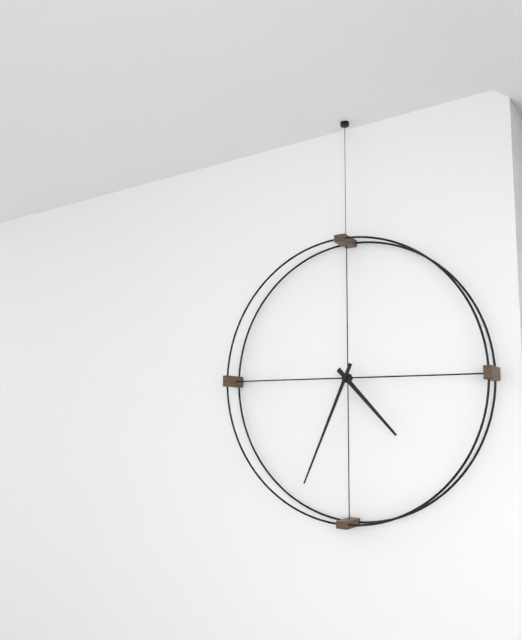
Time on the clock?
4:34
